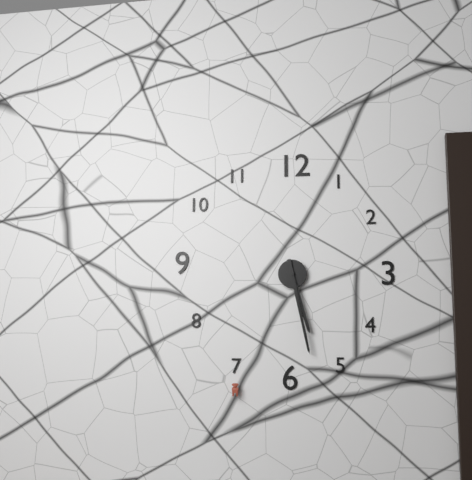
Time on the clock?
5:28
